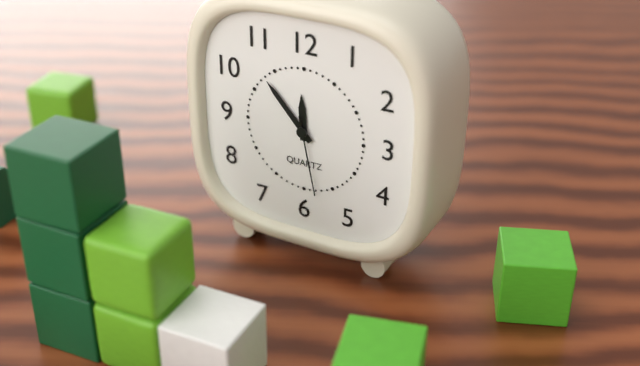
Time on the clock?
11:53:28
